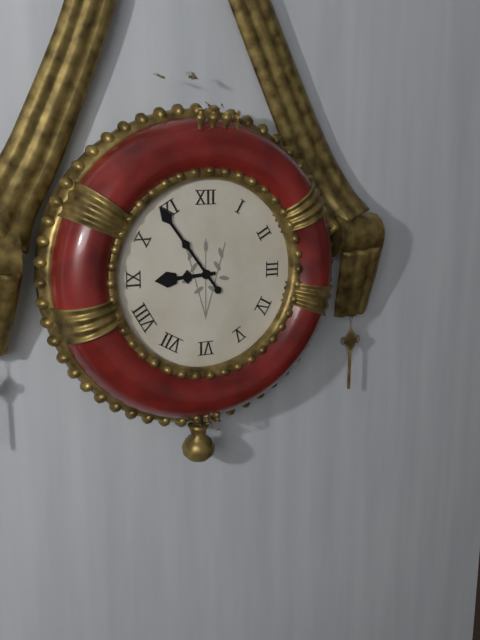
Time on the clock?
8:54
